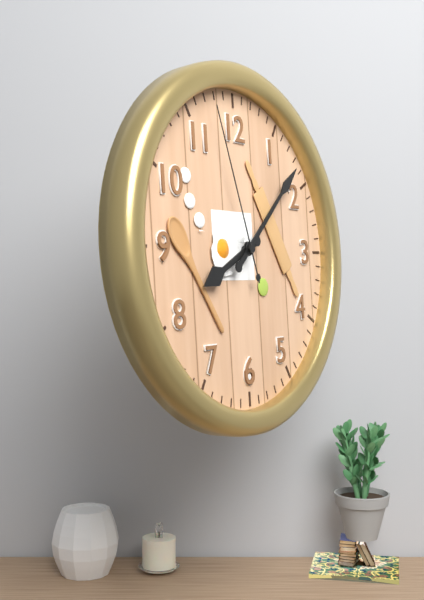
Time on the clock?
8:08:57
